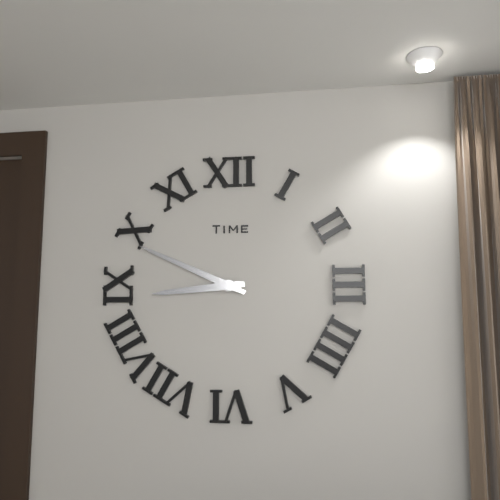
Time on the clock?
8:49
